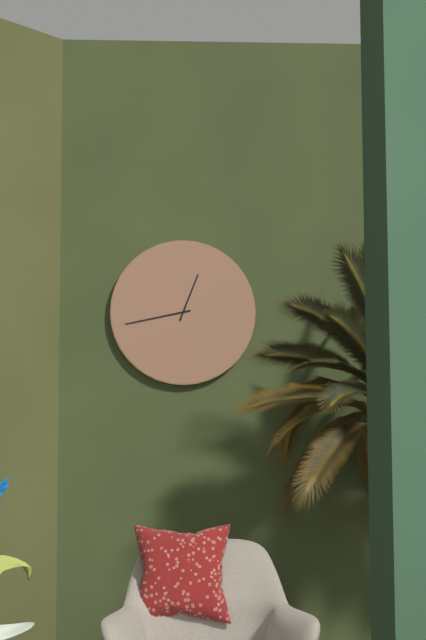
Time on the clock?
12:43
